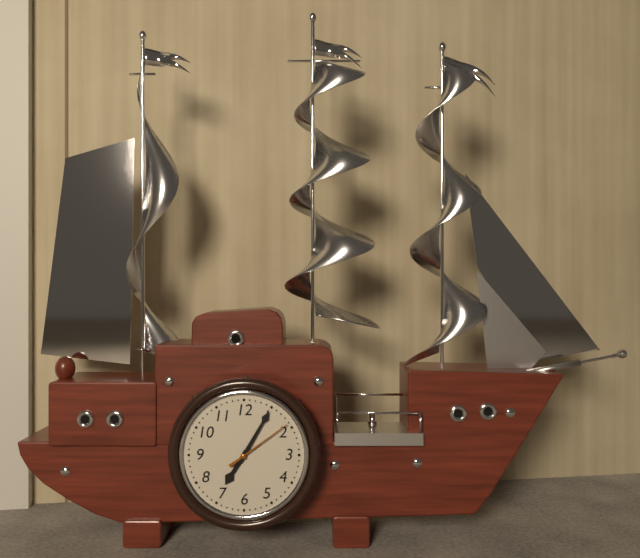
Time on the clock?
7:05:09
